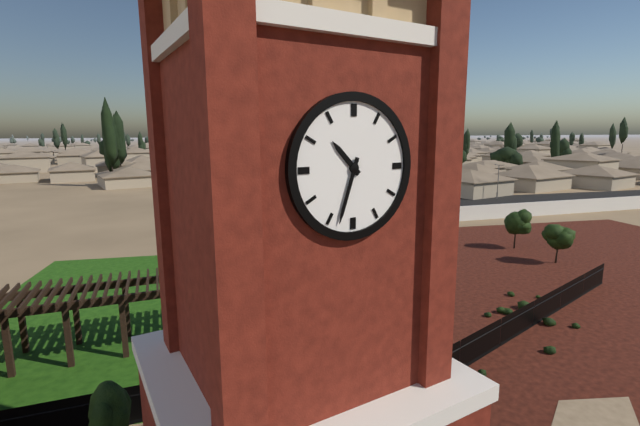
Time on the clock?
10:33
